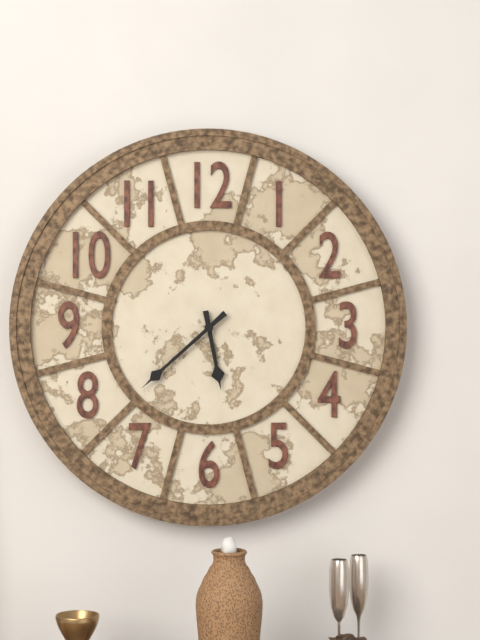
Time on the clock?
5:38
